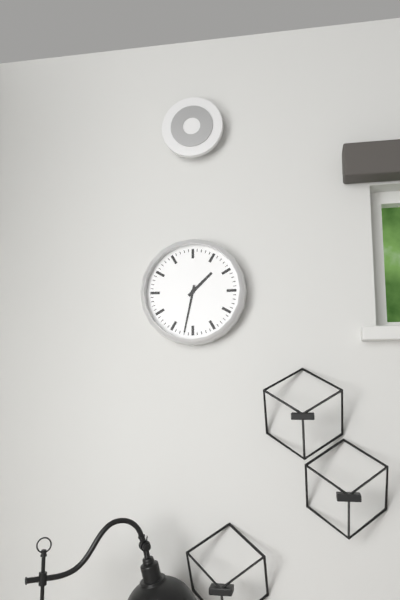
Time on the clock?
1:32
